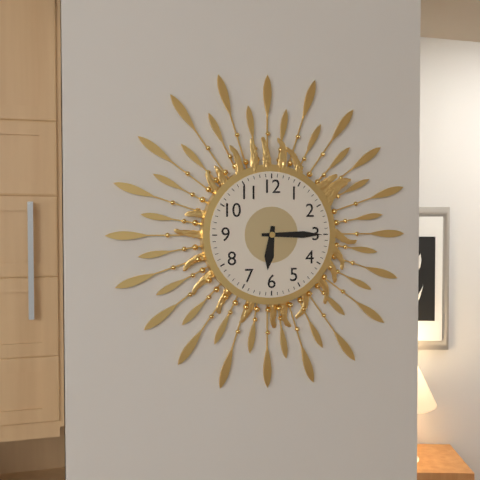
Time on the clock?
6:15
